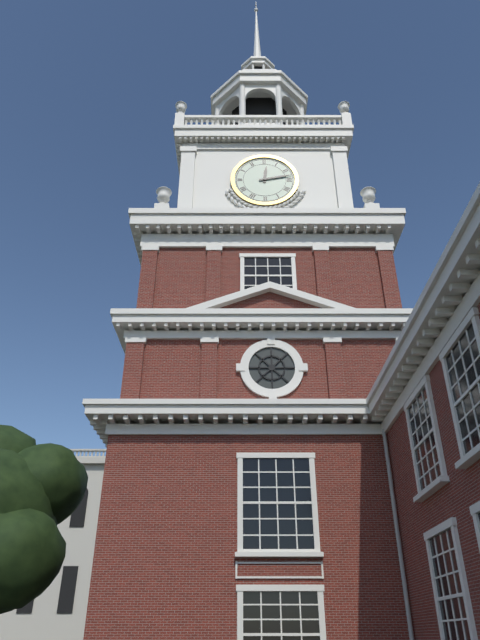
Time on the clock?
12:13
